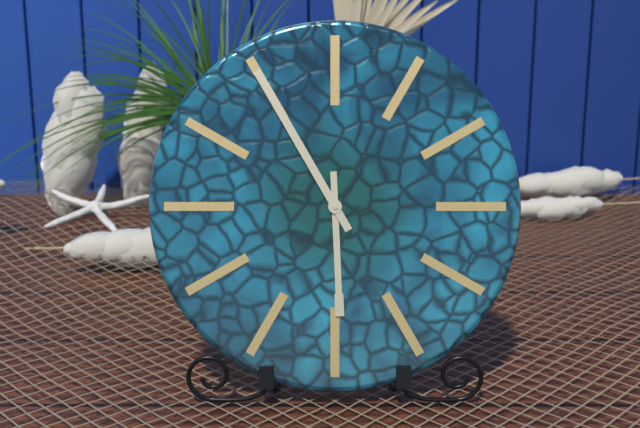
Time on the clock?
5:55
